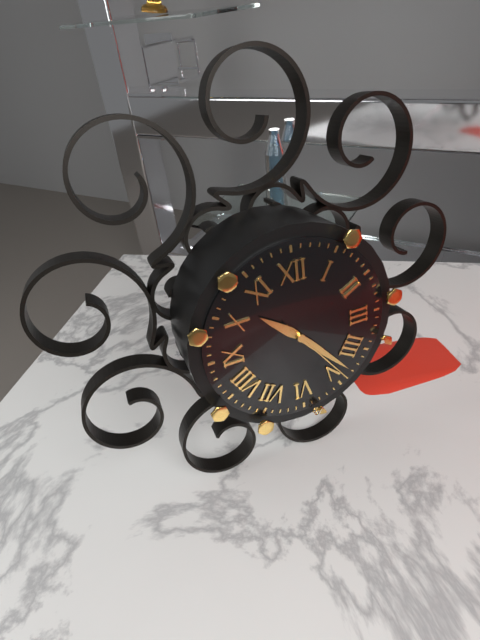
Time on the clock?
10:23:24
